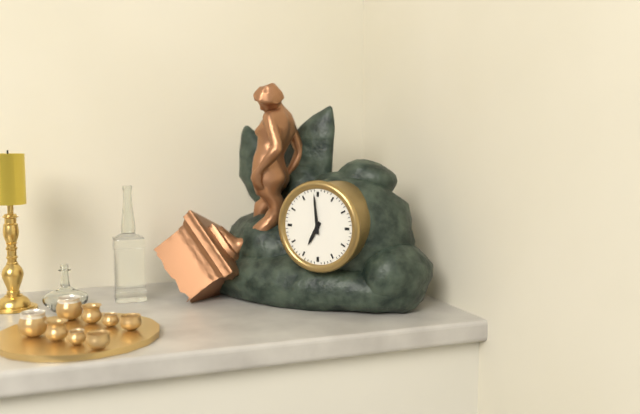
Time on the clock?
6:59
